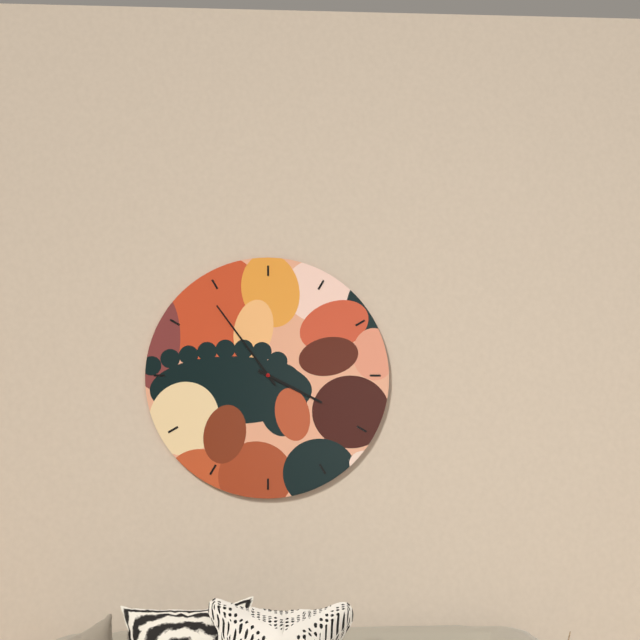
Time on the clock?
3:54
